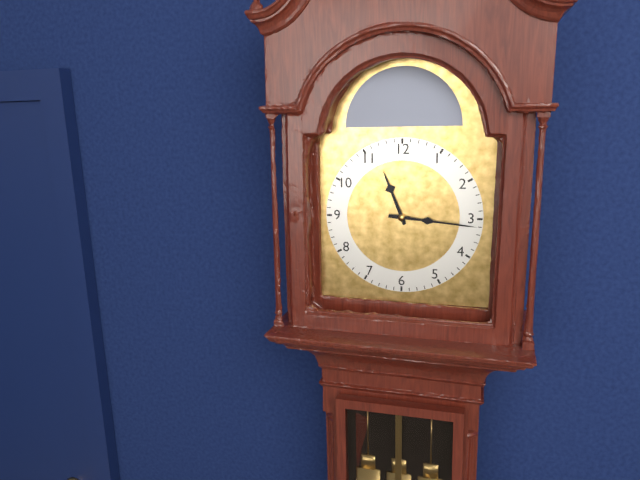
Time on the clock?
11:16
